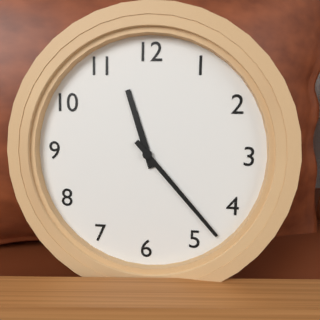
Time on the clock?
11:23
